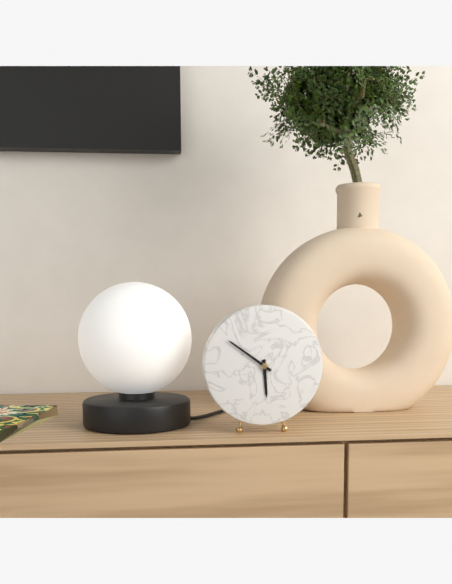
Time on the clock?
5:51
